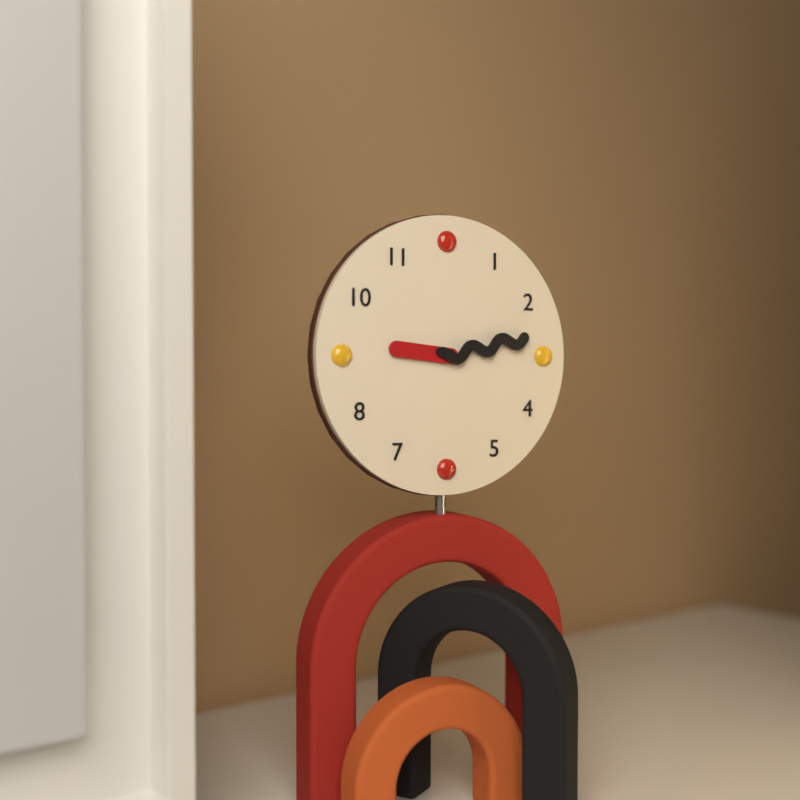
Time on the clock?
9:13
